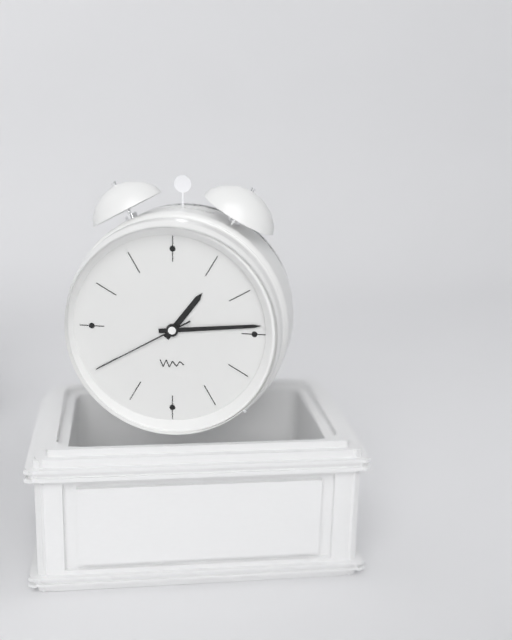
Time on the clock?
1:14:40
